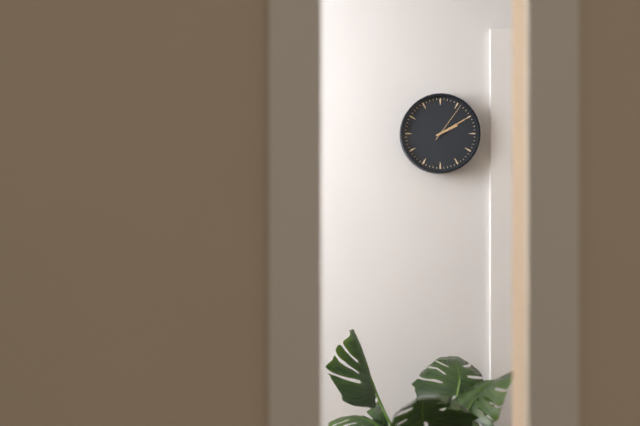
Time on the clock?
2:10
